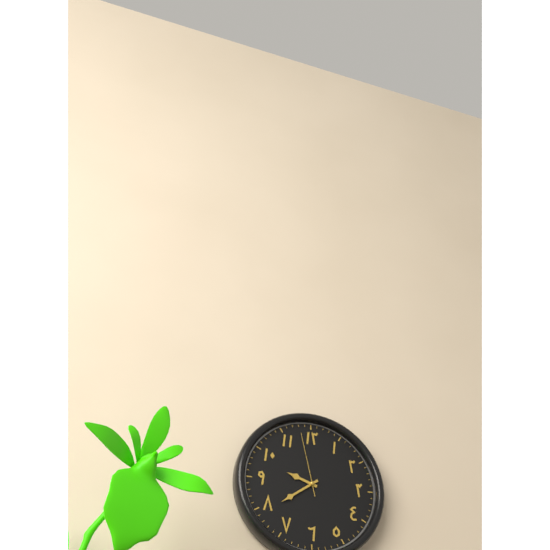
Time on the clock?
9:39:58
